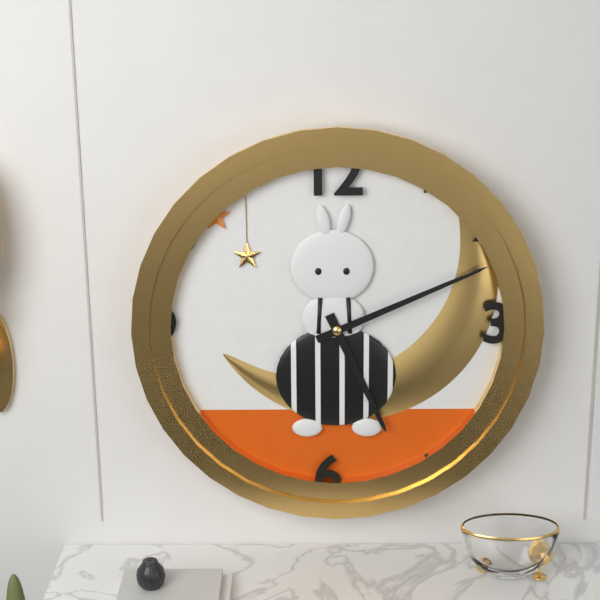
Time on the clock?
5:11
